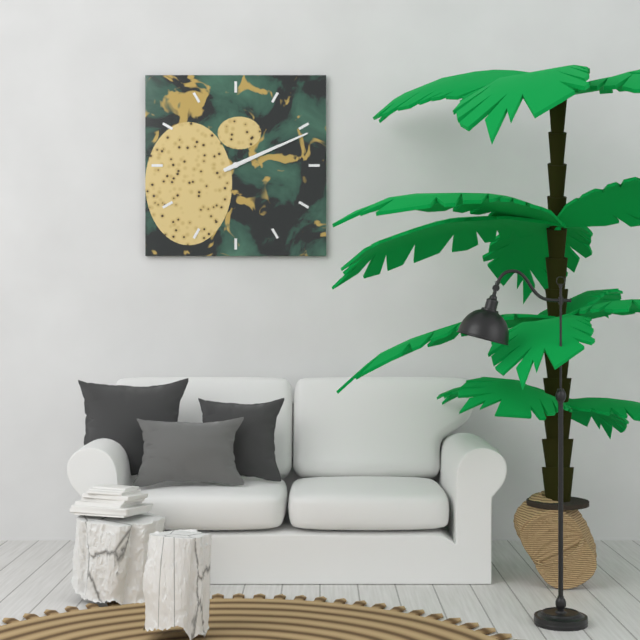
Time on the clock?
2:11
